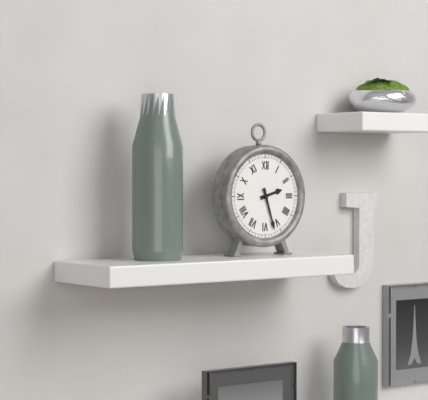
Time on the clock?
2:27
